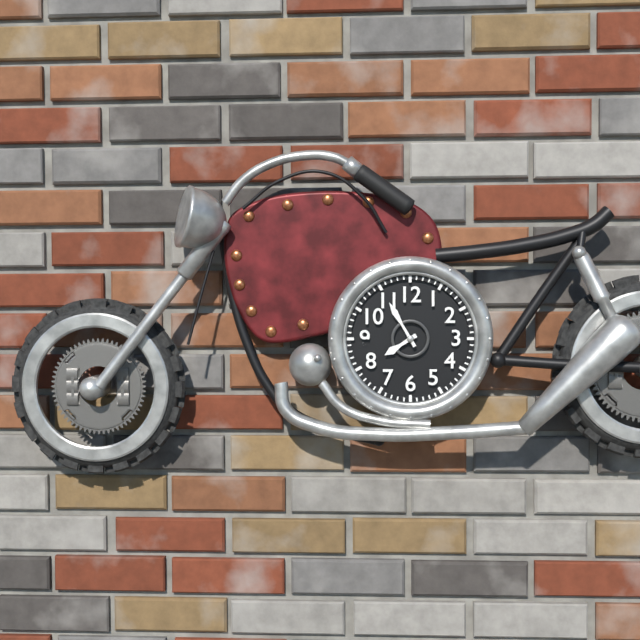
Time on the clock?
7:55
